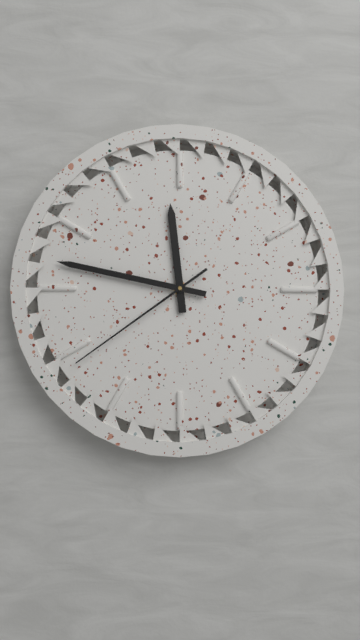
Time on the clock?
11:47:39
